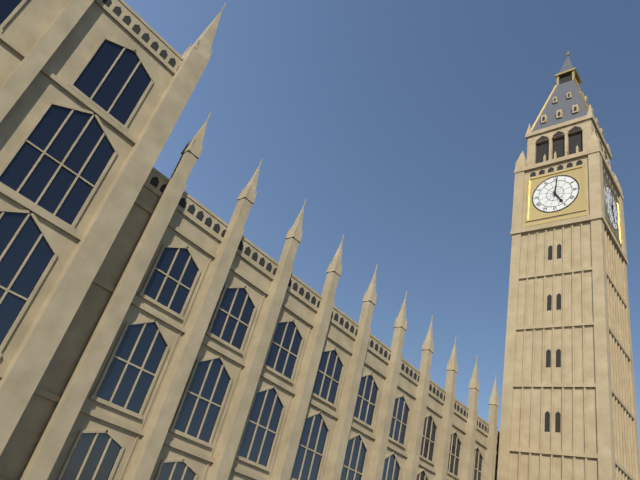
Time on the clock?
5:01
